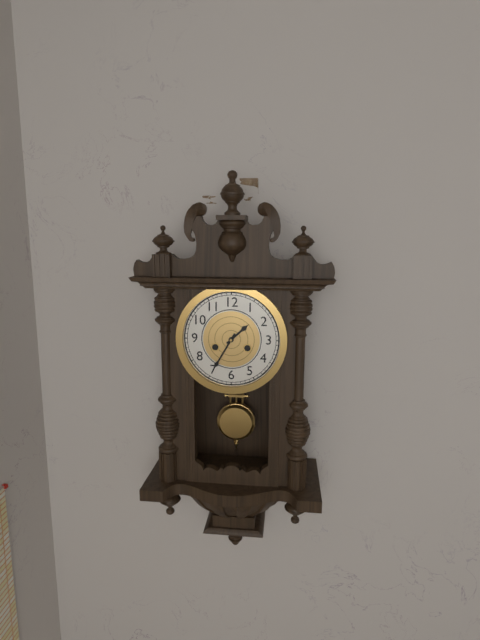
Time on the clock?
1:35
